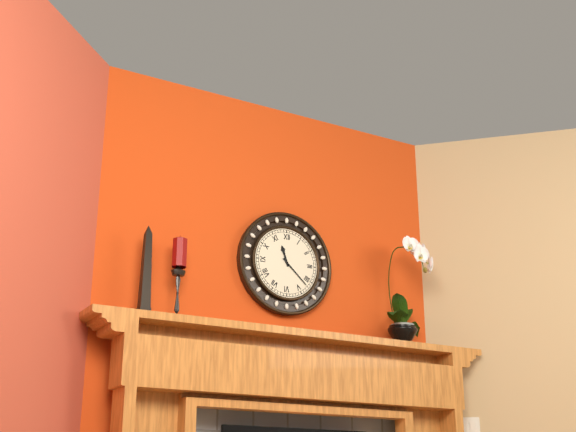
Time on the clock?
11:22
